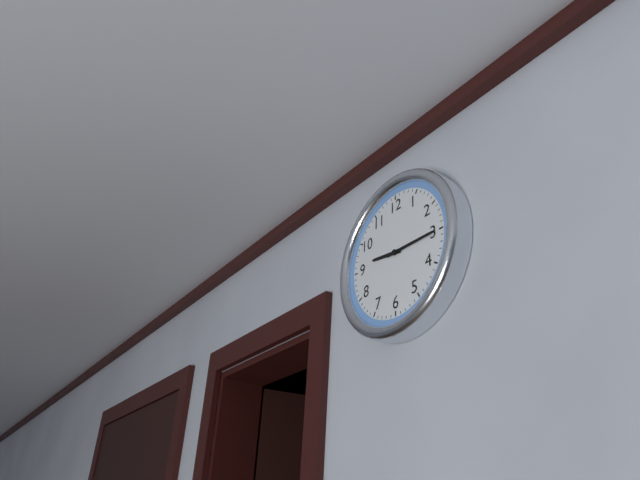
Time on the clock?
9:15
